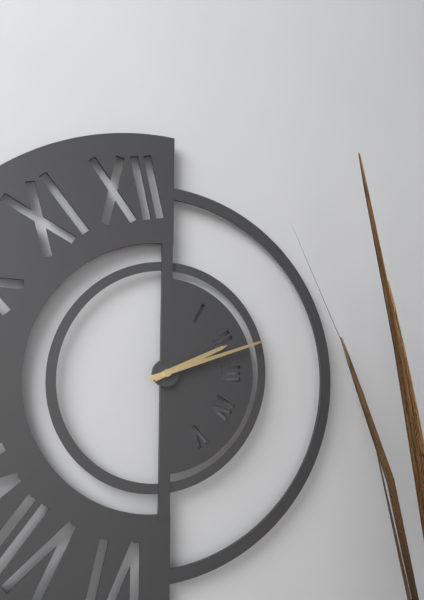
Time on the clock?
2:12
